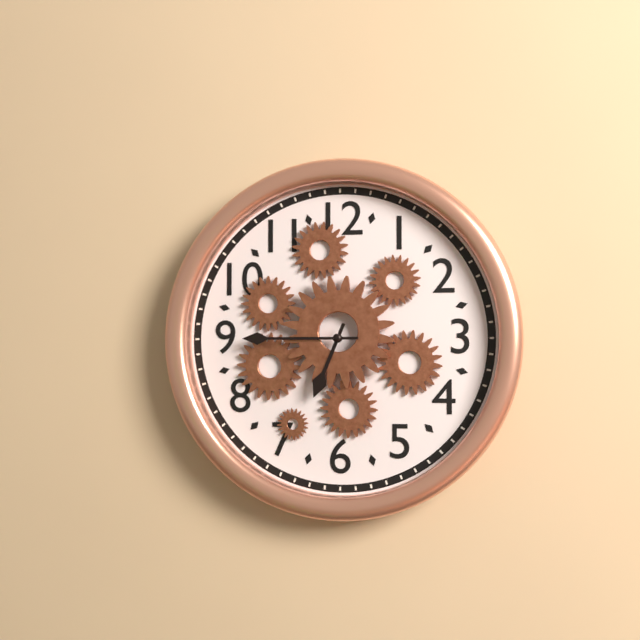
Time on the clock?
6:45
